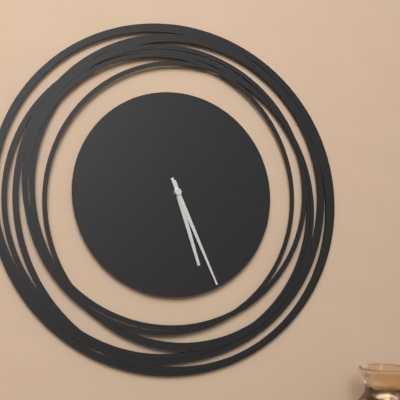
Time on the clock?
5:26
